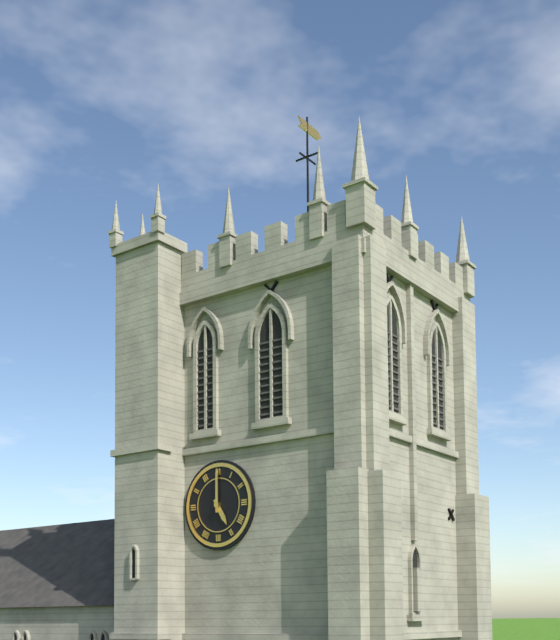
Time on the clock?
5:00
